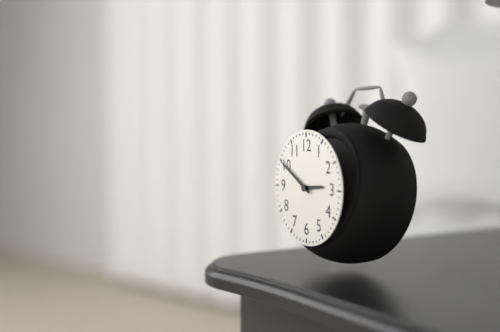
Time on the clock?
2:50
